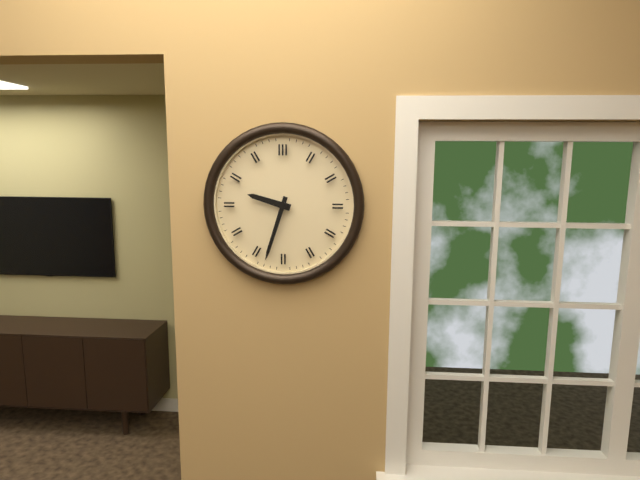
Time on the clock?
9:33
